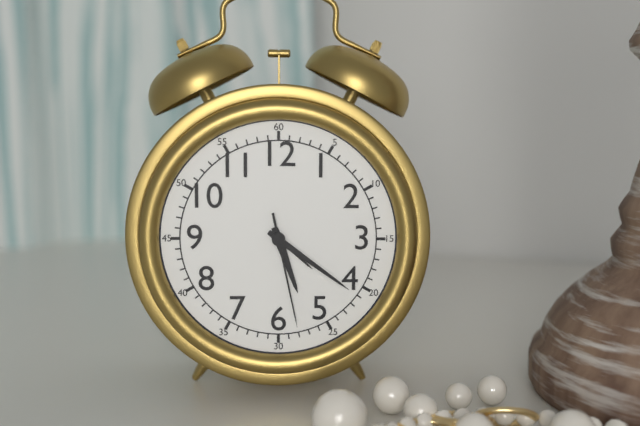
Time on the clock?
5:21:28
